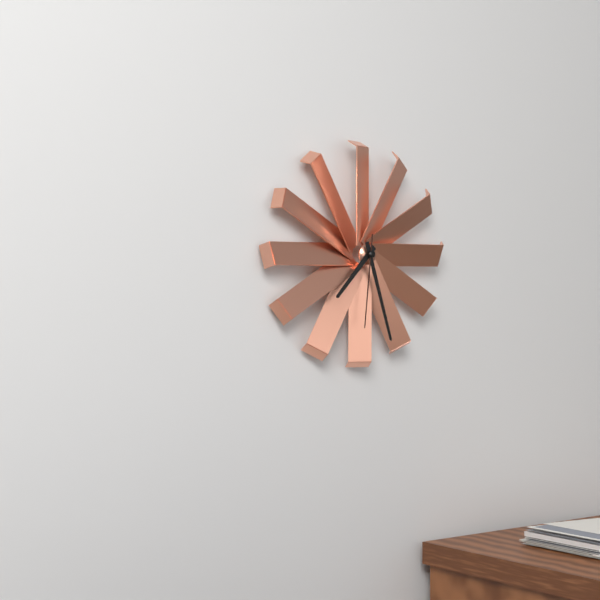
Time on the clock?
7:27:31
